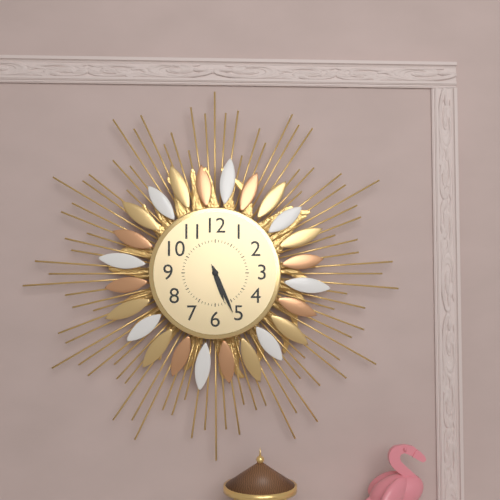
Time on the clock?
5:26
